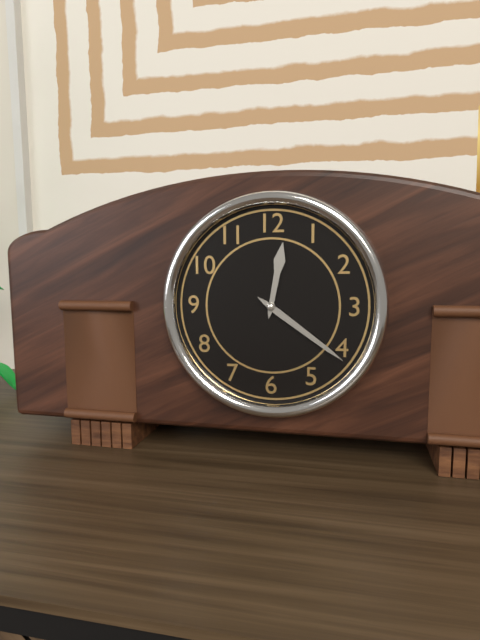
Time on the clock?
12:21
